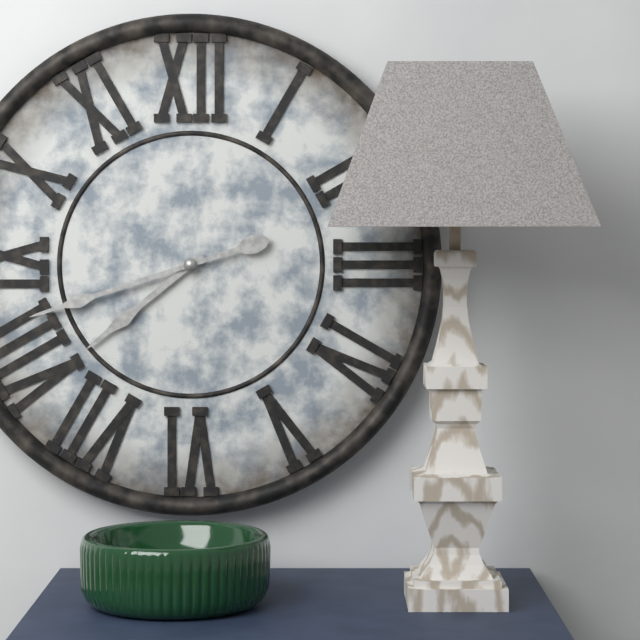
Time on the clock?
7:42
